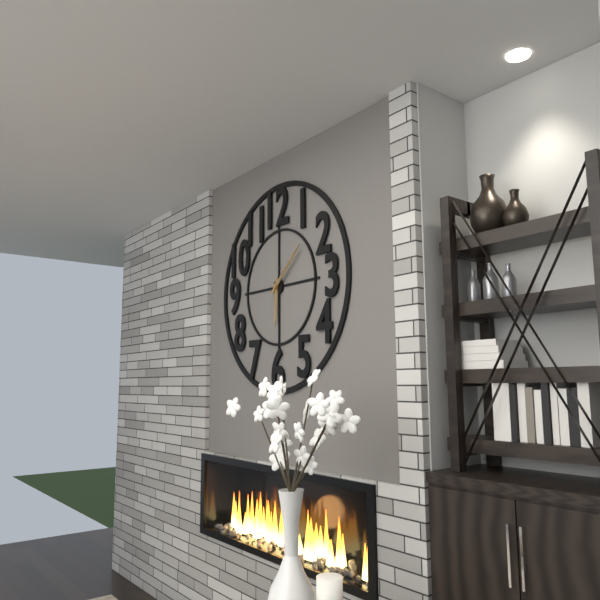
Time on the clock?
6:08
